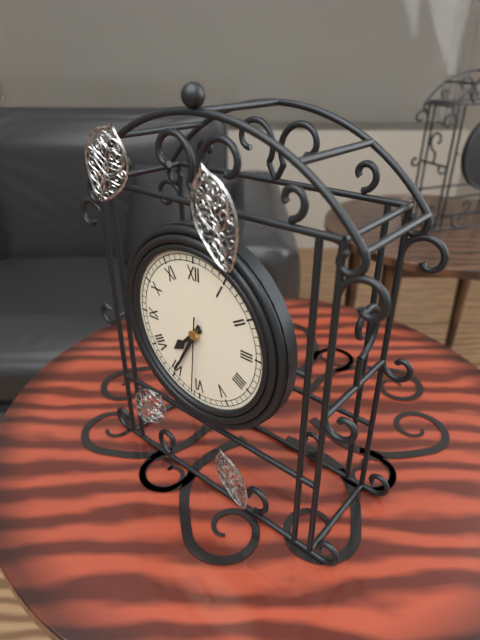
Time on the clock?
7:35:31
